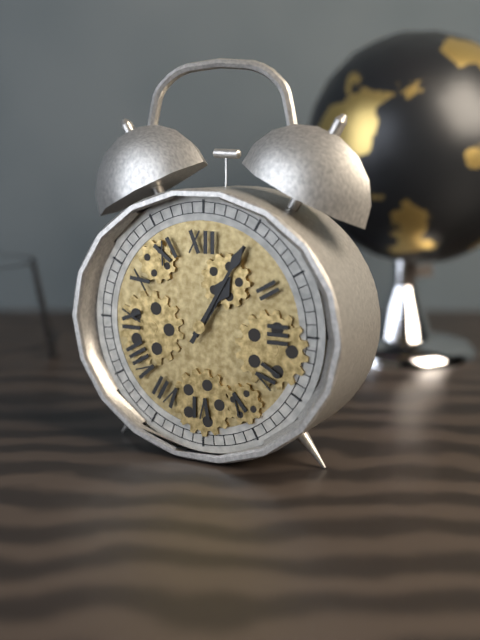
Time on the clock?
1:05
